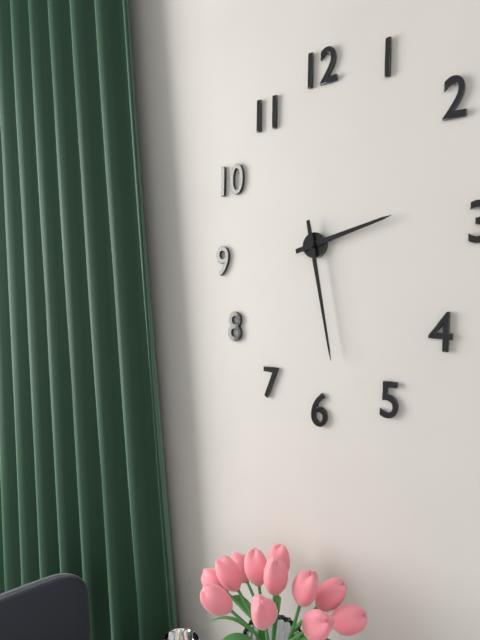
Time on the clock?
2:28
